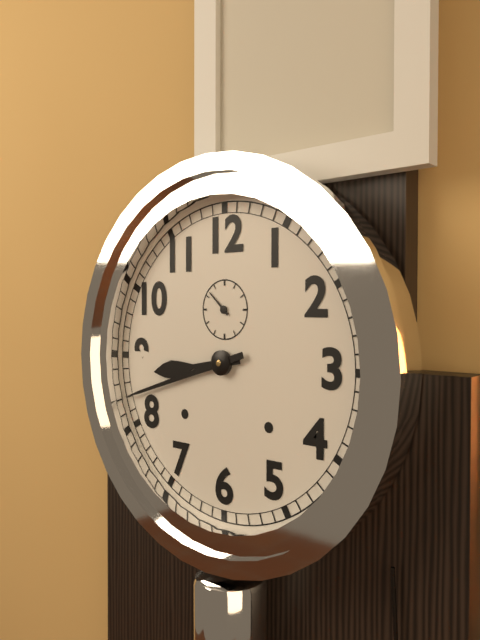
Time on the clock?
8:42
